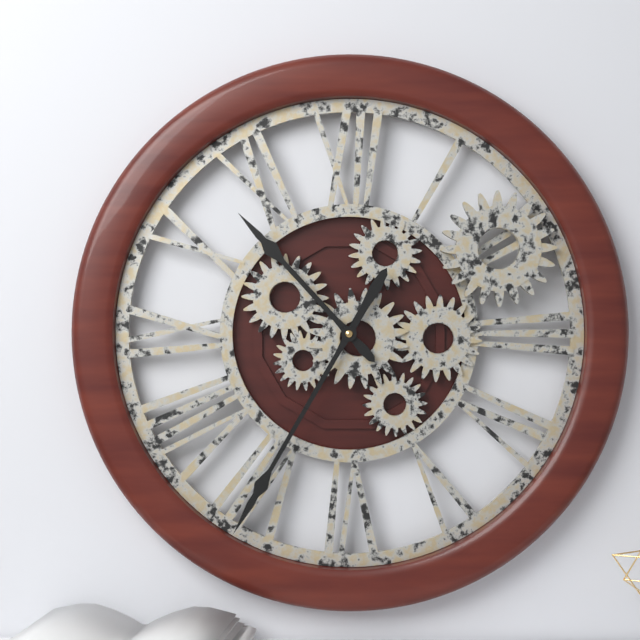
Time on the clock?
10:35
